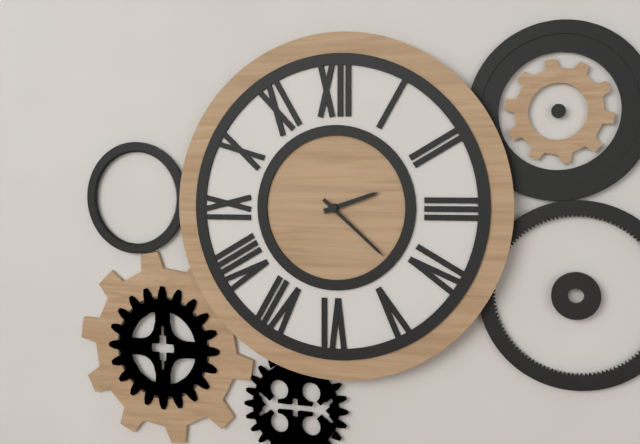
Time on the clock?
2:22
